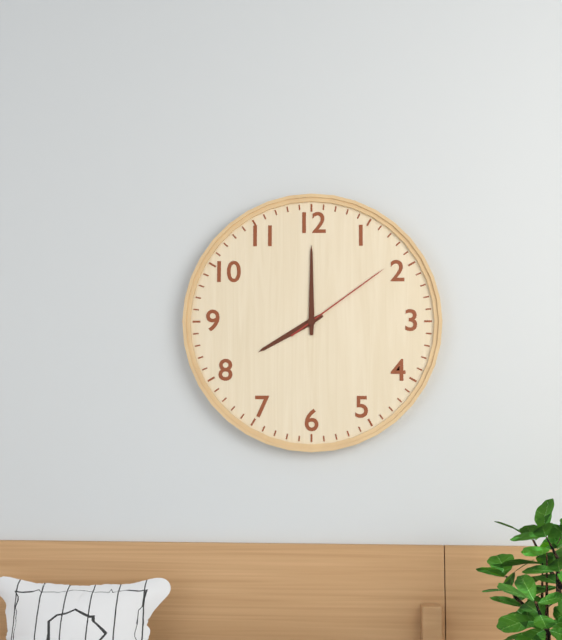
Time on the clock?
8:00:09
